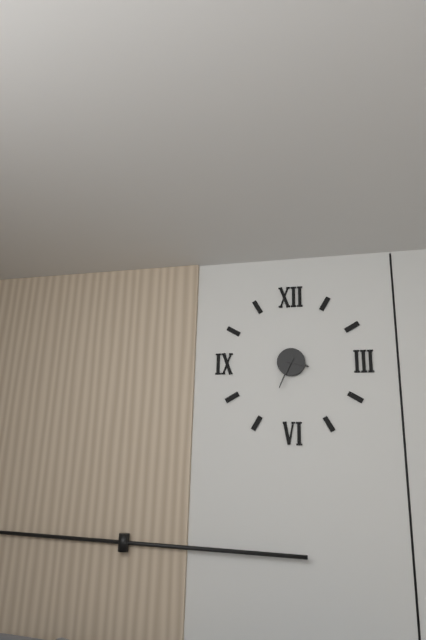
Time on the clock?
3:34
